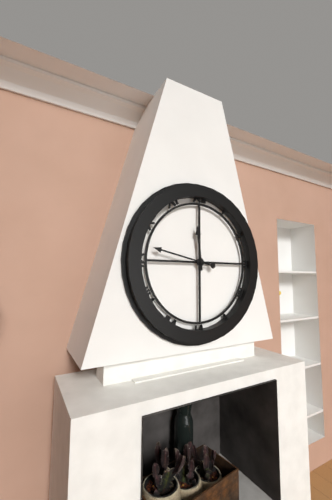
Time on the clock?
11:47
